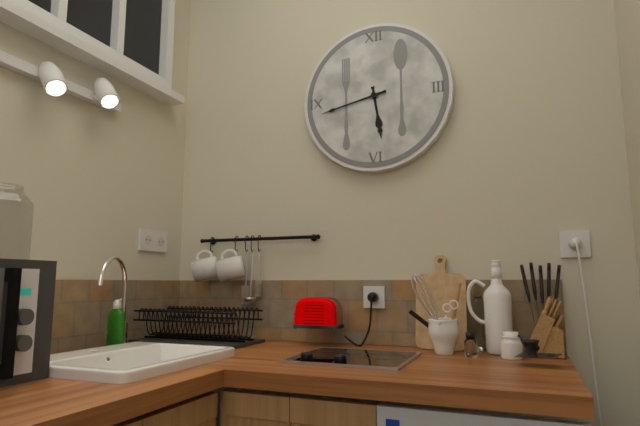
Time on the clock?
5:43
